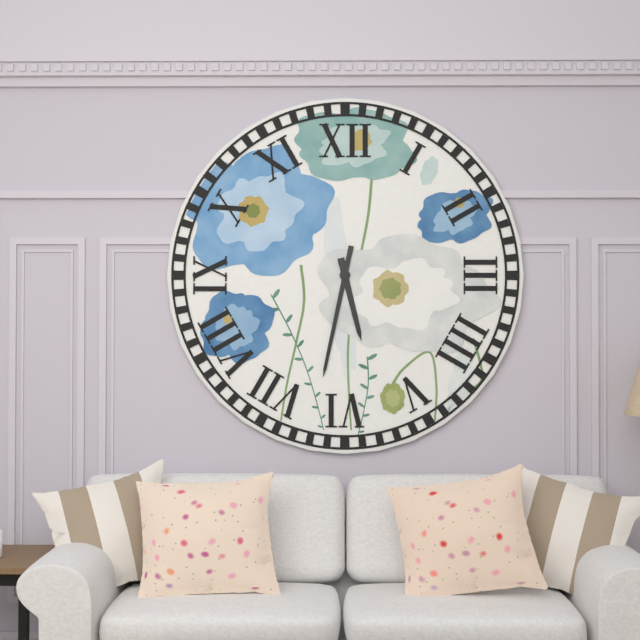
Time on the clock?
5:32
